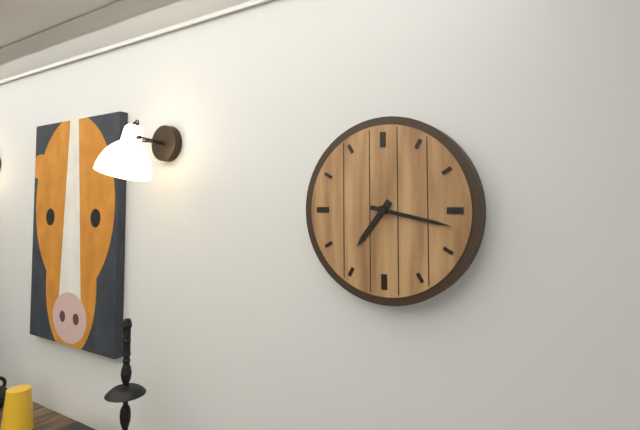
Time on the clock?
7:17
